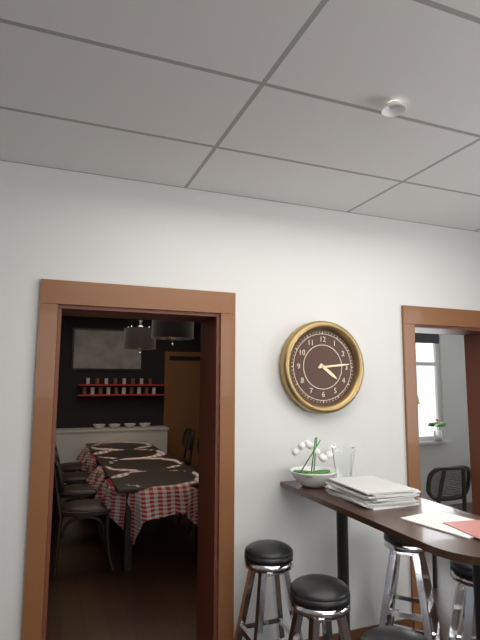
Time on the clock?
4:14
